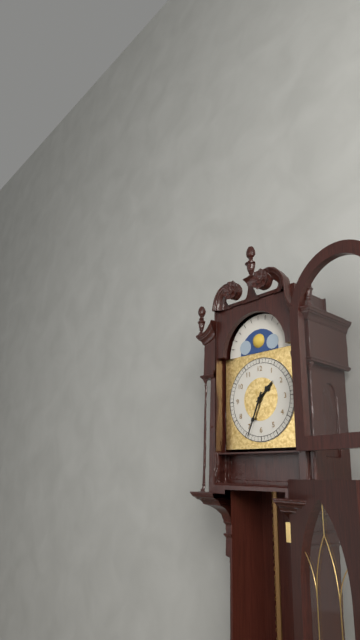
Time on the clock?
1:34
